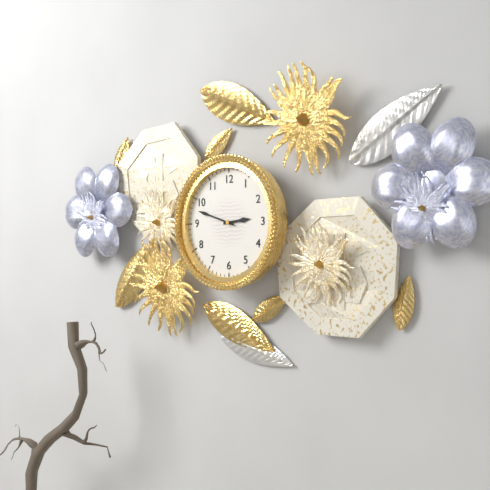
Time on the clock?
2:48
